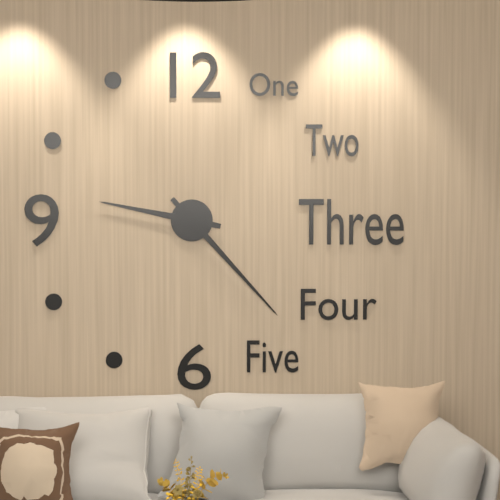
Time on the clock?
9:23
